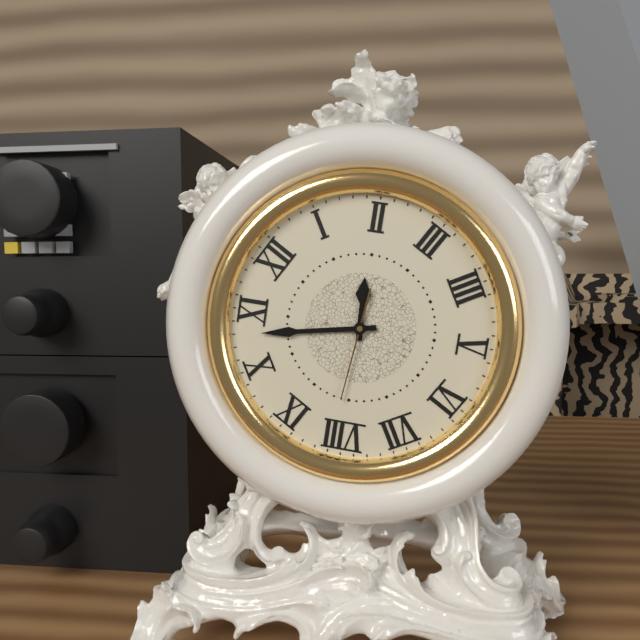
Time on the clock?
1:53:41
